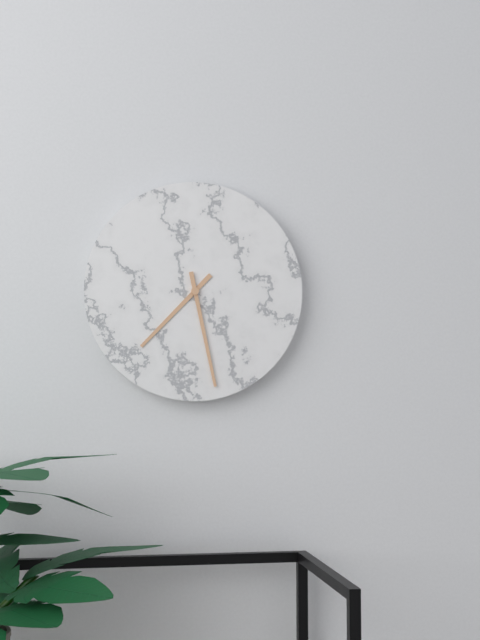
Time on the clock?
7:28
